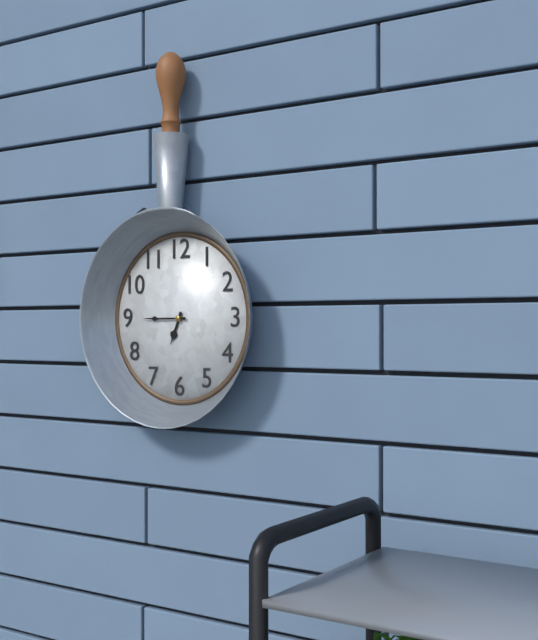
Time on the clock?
6:45
